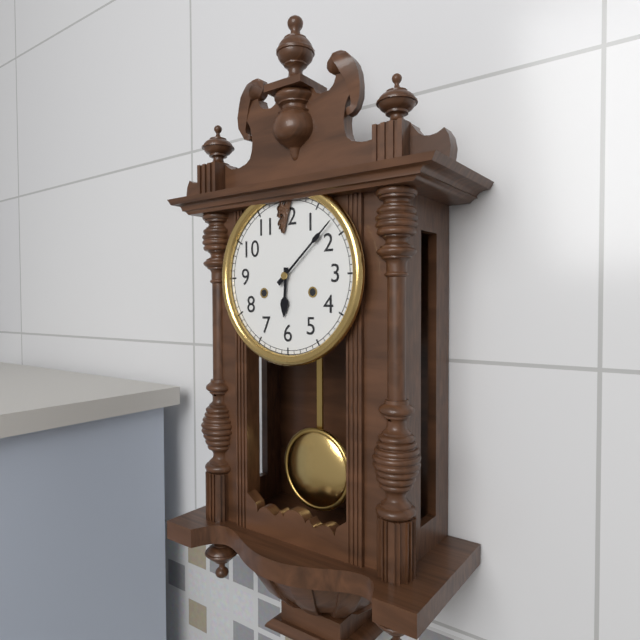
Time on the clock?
6:08
